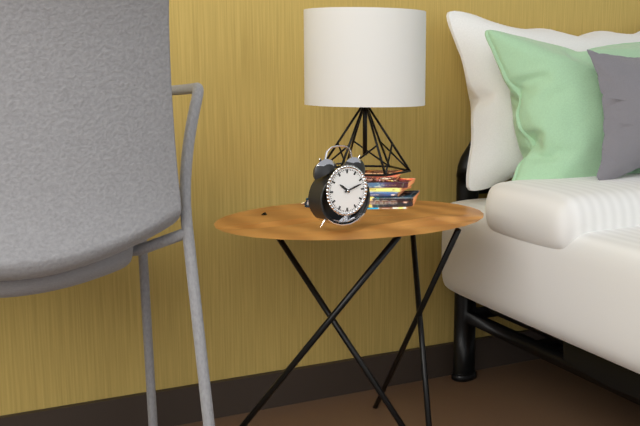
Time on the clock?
10:12
